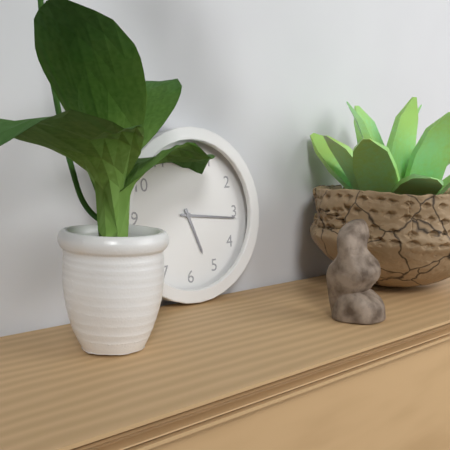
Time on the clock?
5:16
